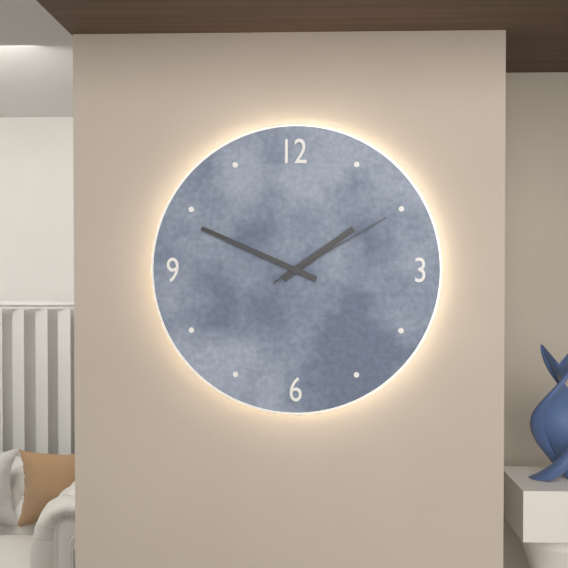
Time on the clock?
1:49:10
